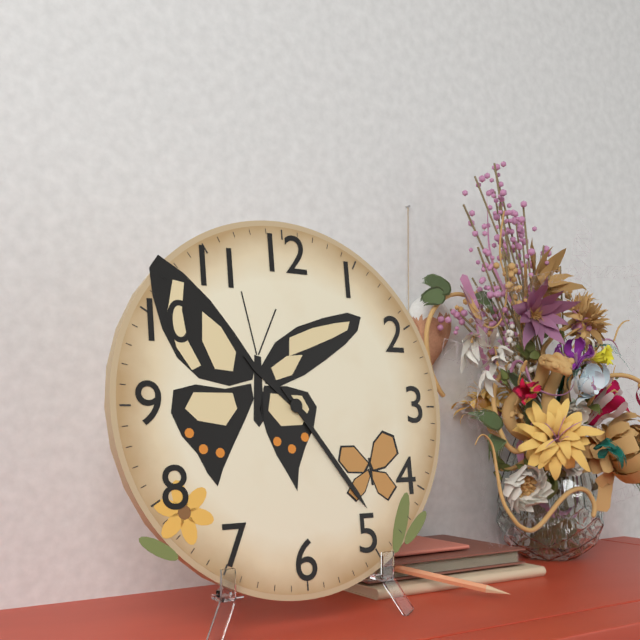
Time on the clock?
10:24
